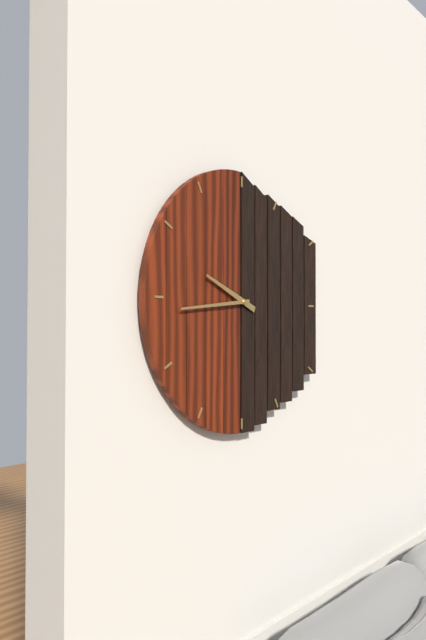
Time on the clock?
9:44
